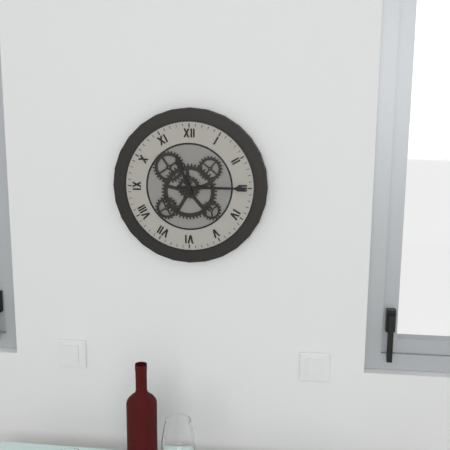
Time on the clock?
11:15
